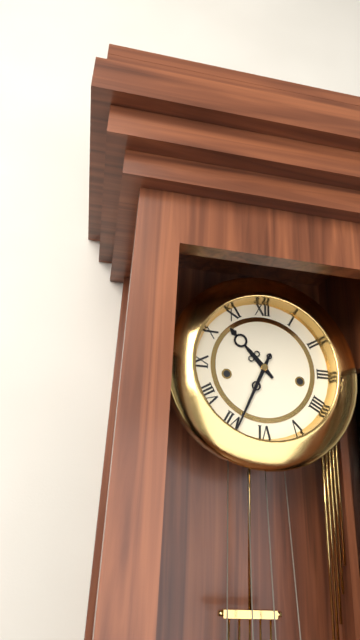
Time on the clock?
10:34
